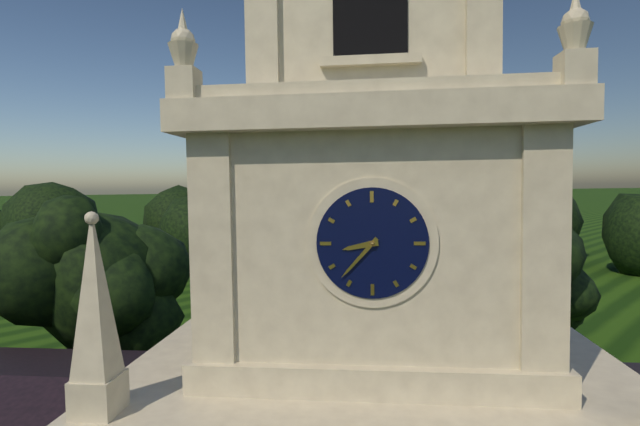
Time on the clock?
8:37
